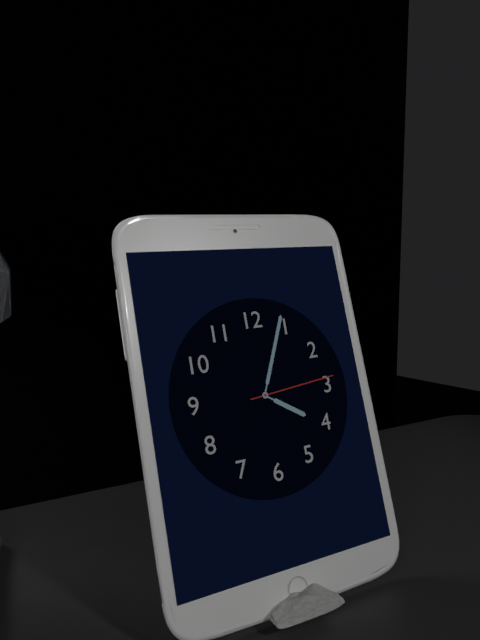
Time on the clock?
4:04:14
